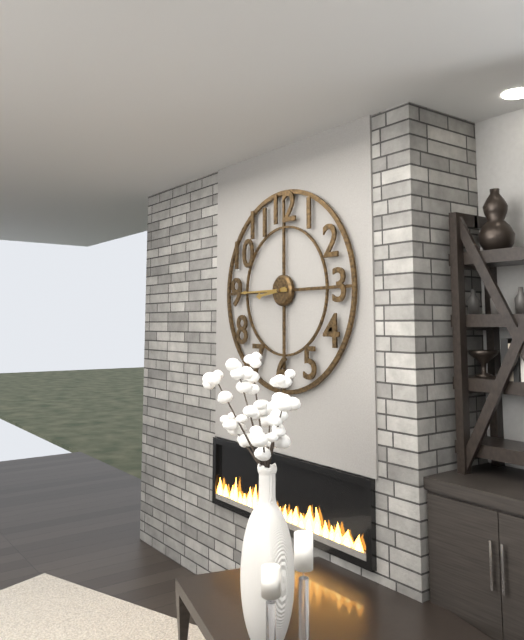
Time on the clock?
8:45
